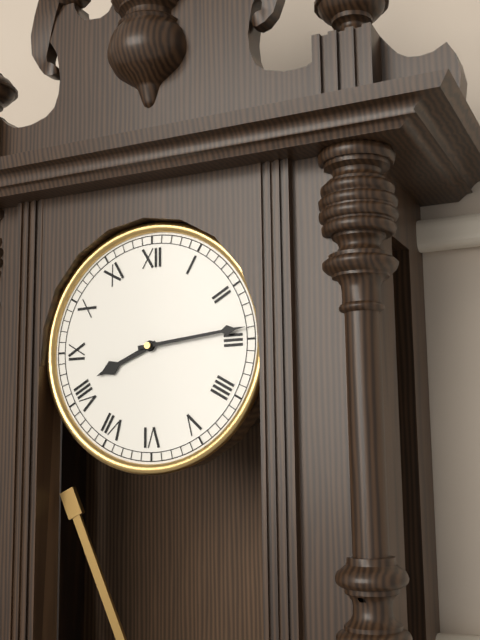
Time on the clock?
8:14
